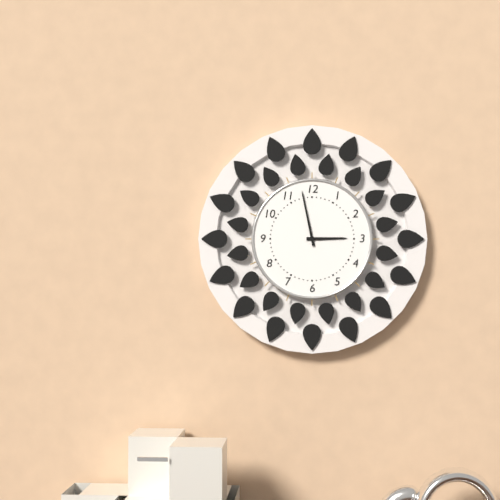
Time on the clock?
2:58
